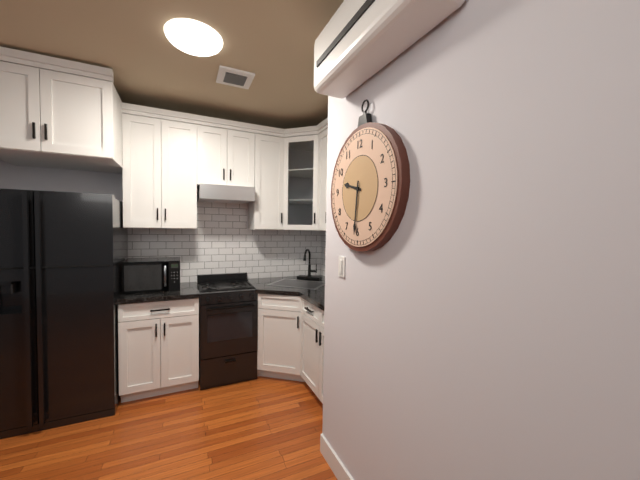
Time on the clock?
9:31
